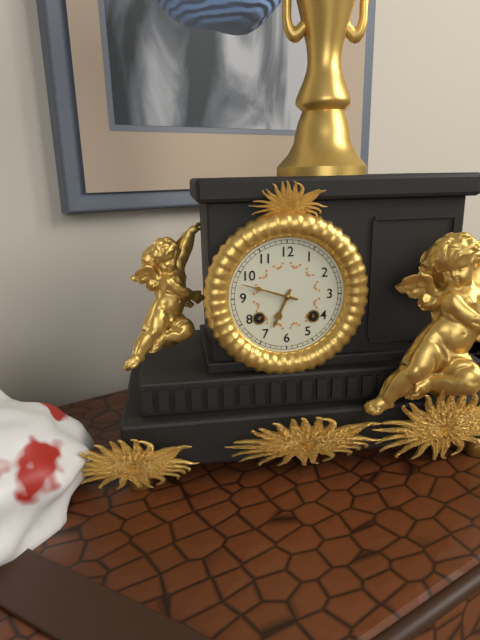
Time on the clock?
6:48
